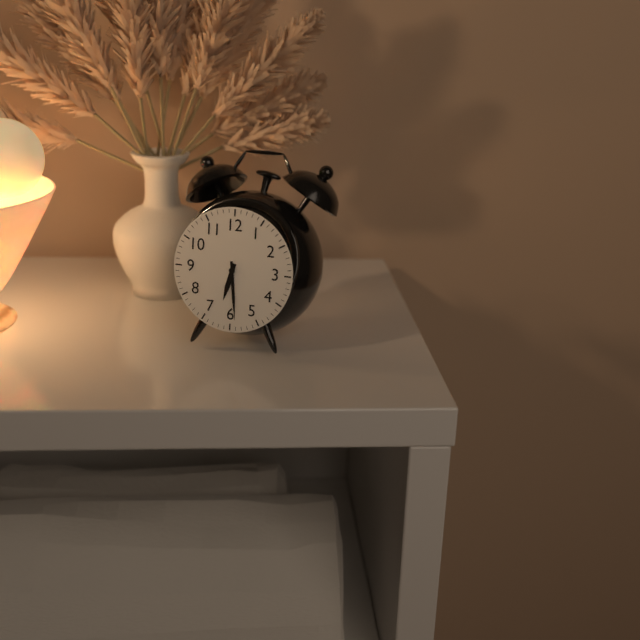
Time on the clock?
6:29
